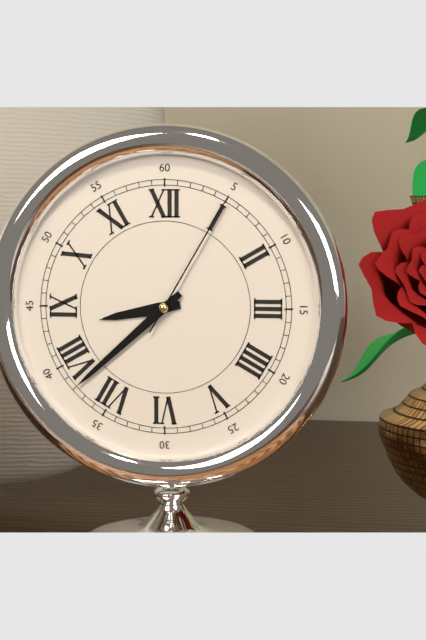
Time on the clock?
8:38:05
